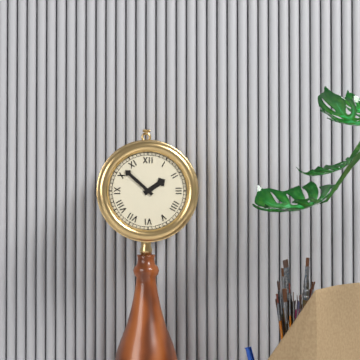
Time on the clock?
1:52
